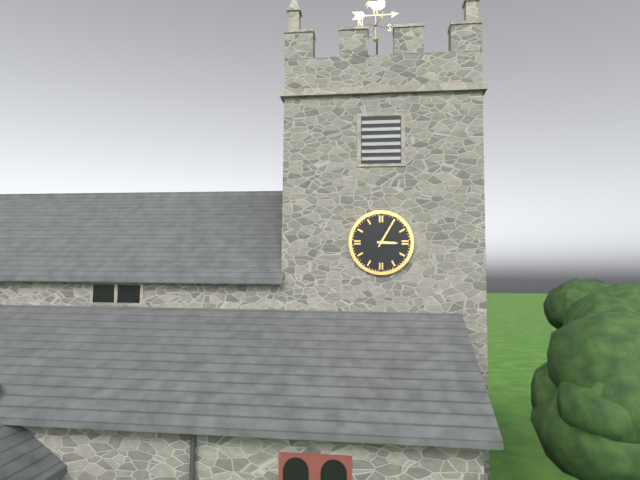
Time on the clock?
3:05
